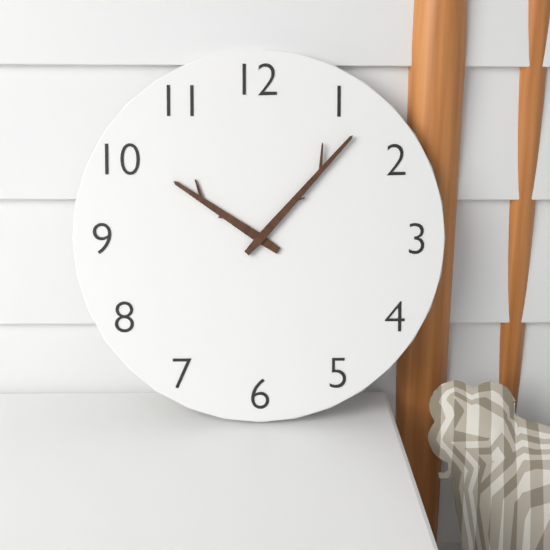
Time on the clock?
10:07
